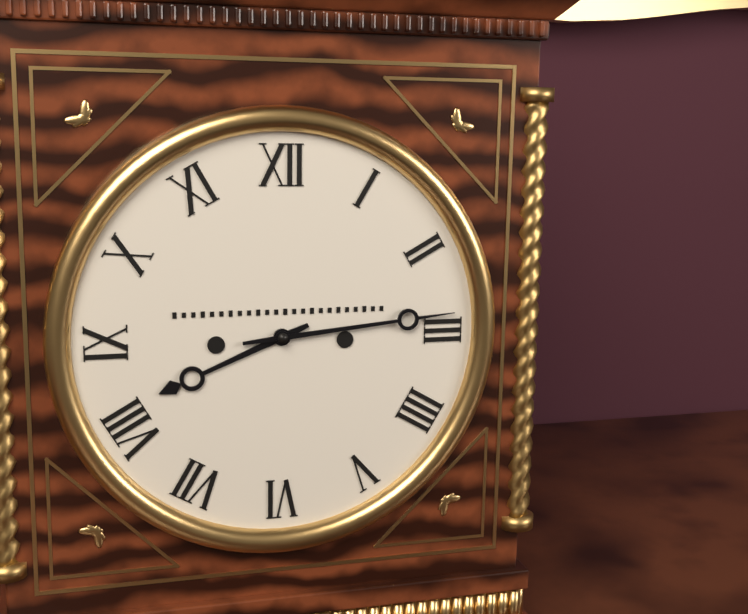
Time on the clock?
8:14
